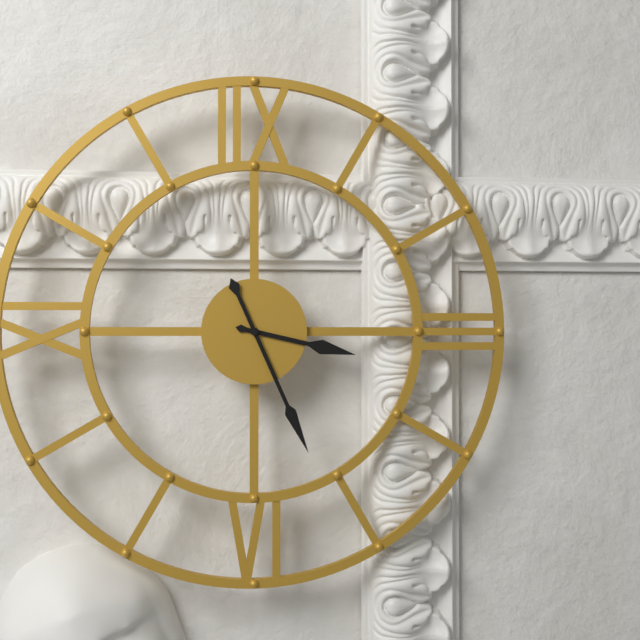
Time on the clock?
3:26
